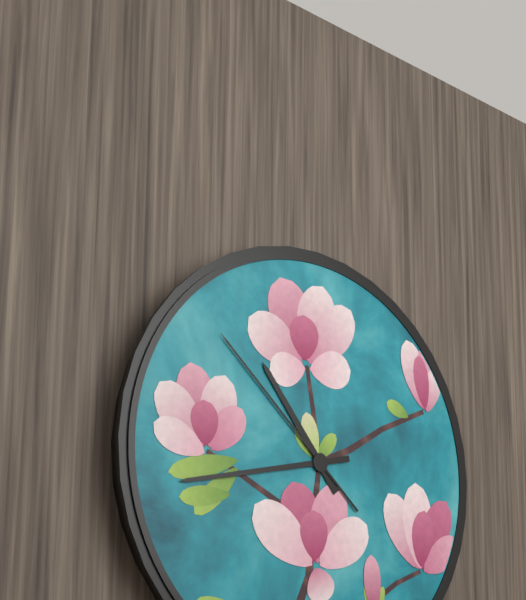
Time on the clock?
10:43:52
